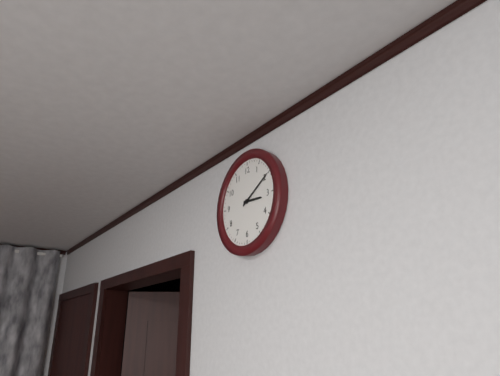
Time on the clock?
3:10
